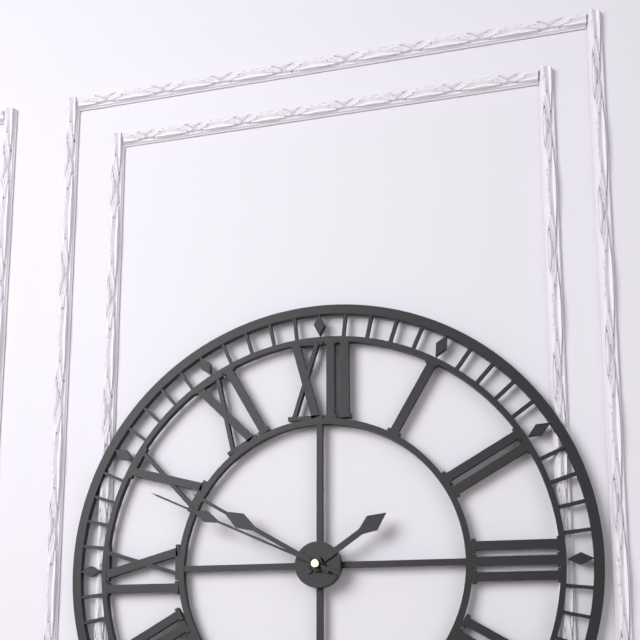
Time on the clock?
1:50:49
